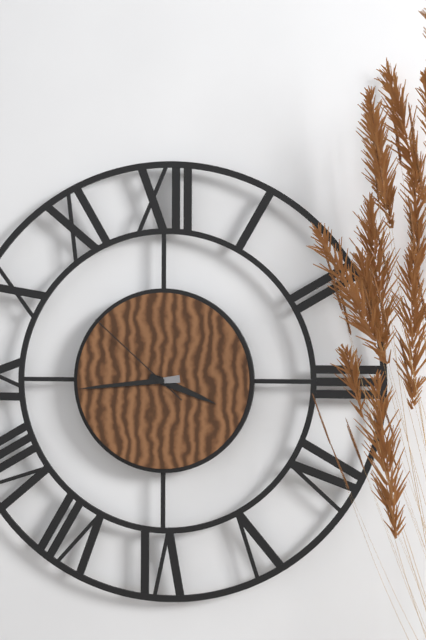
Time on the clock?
3:44:52
